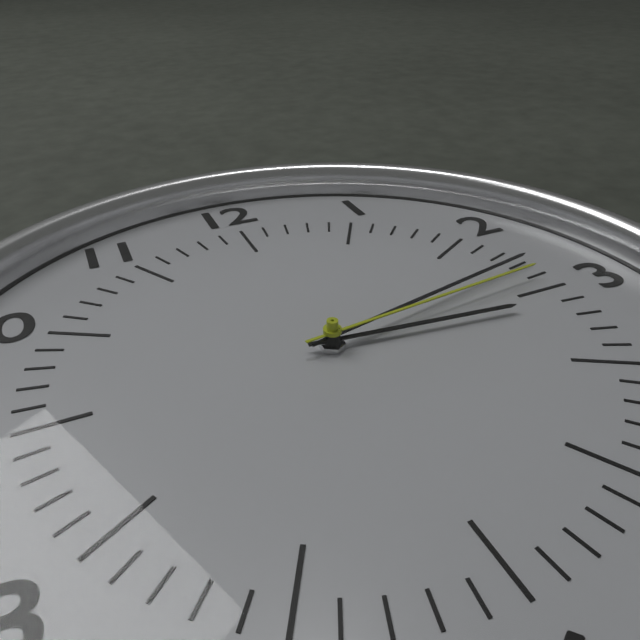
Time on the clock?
3:13:14
